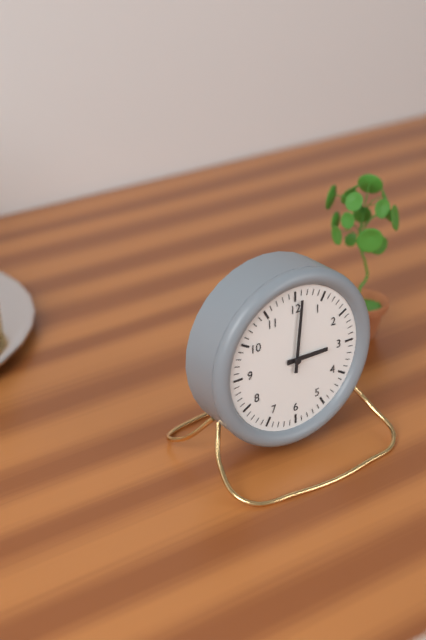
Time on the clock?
3:01
